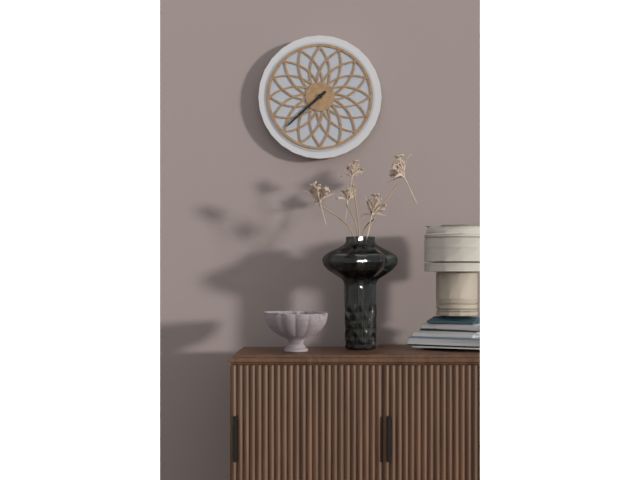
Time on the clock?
7:38
